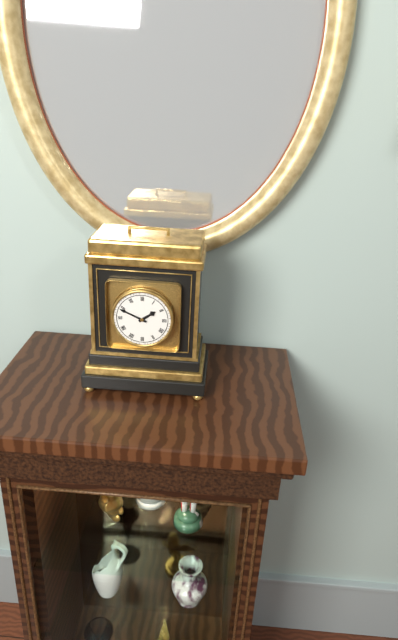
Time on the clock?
1:49
